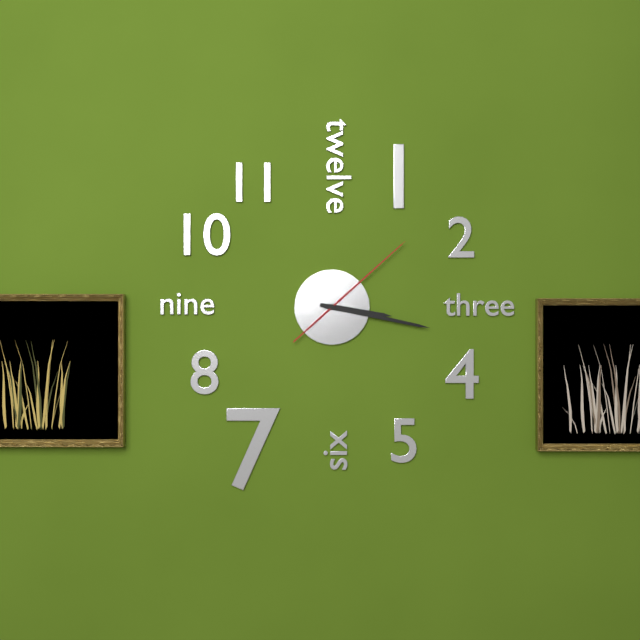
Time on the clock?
3:17:08
